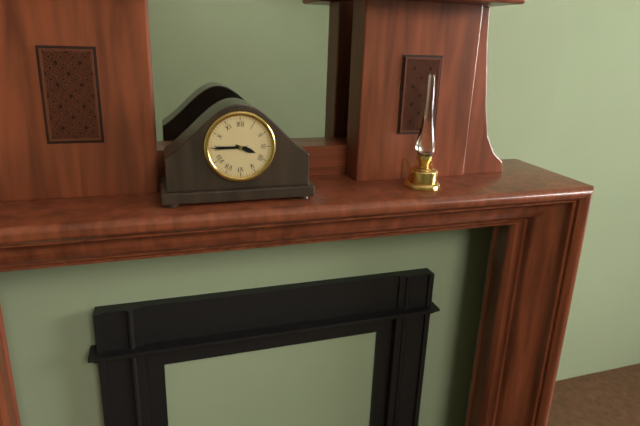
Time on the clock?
3:45
